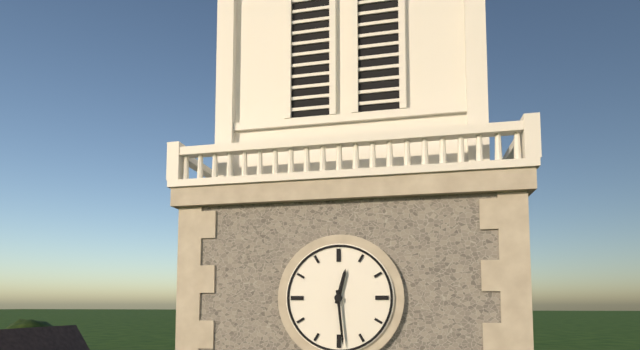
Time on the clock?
12:29
